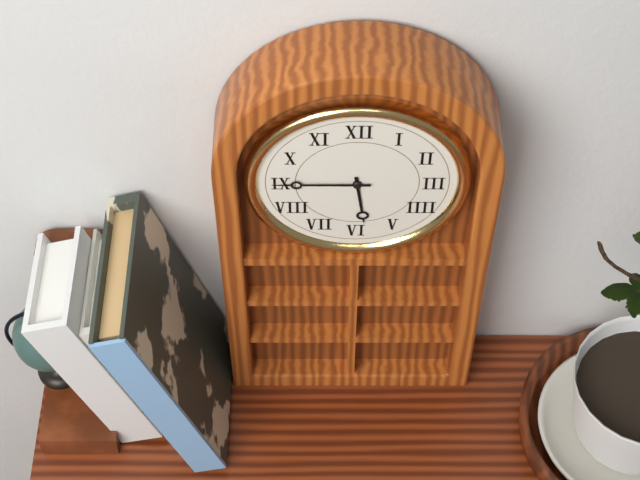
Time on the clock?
5:45
